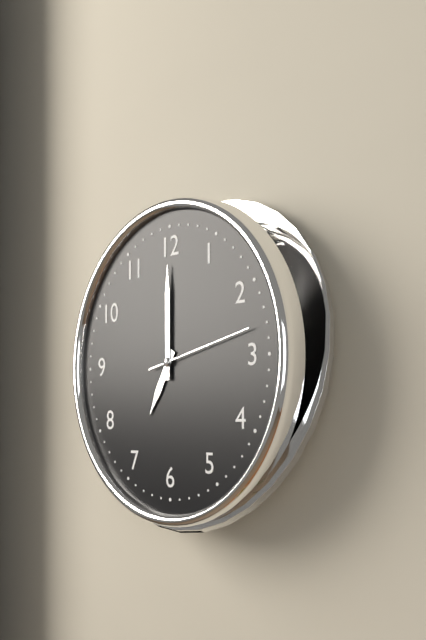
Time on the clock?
7:00:13
